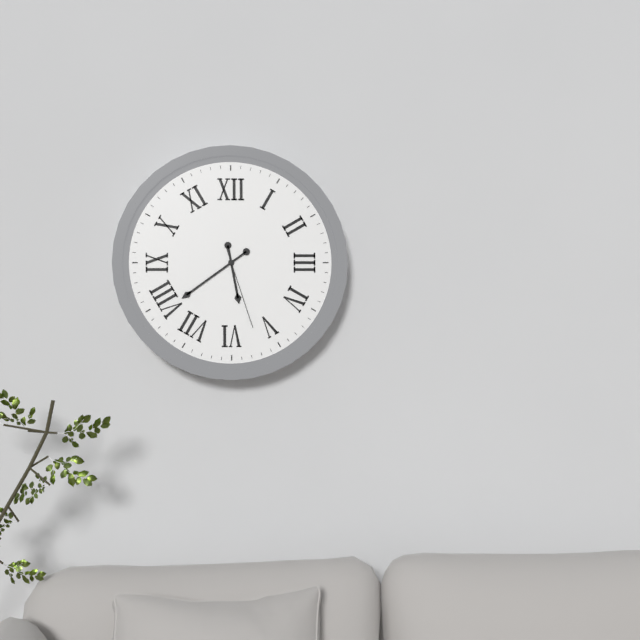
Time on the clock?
5:39:27
